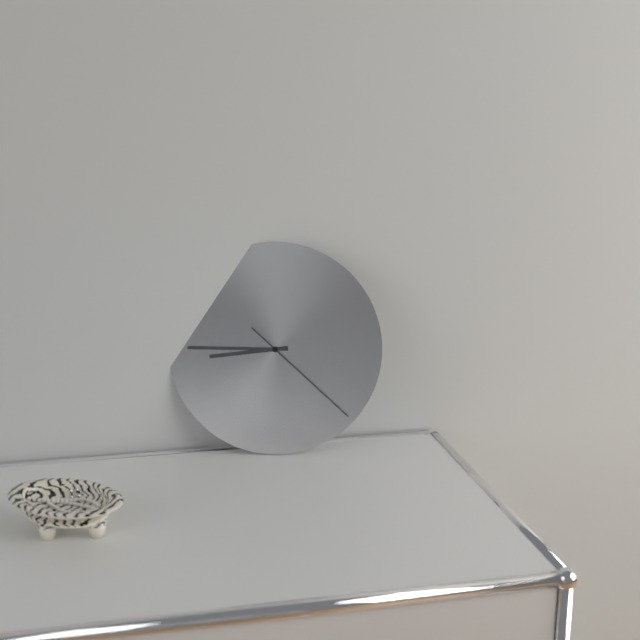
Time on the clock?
8:45:22
